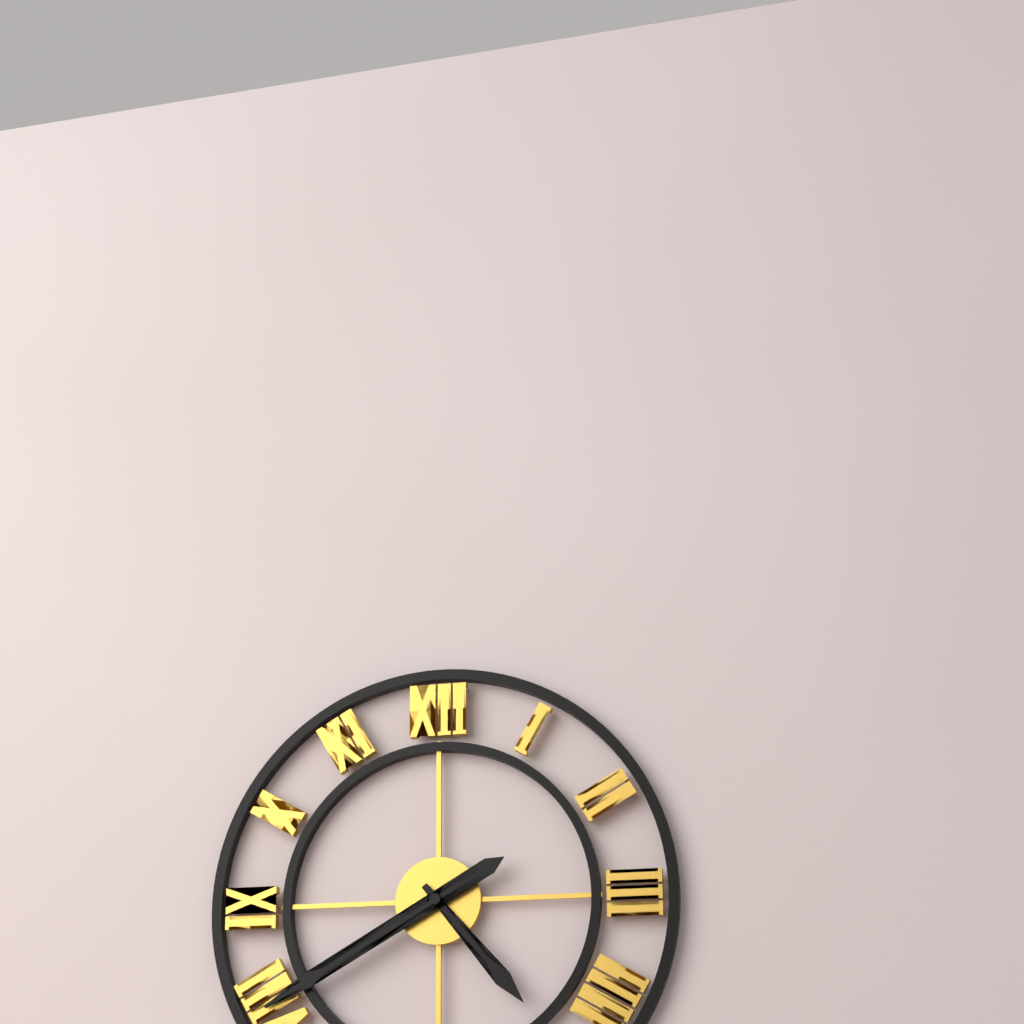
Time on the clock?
4:40
